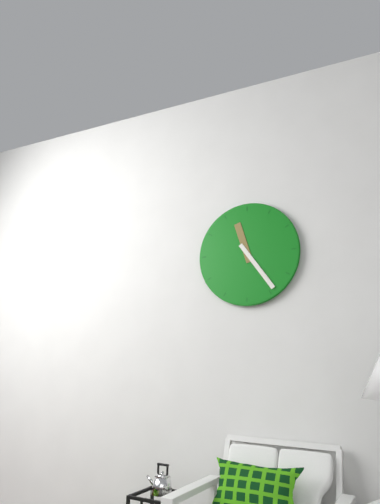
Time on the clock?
11:24
